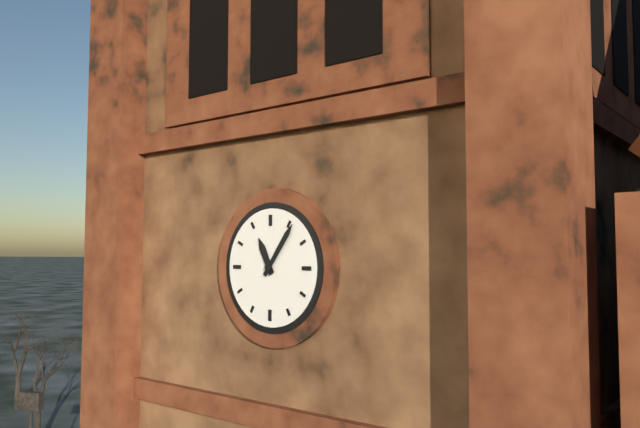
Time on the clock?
11:06
